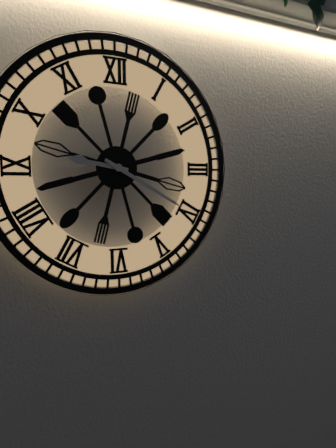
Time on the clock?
9:20
